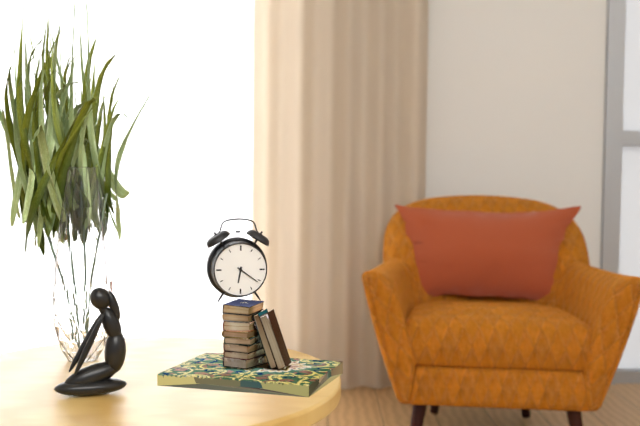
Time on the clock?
6:21
